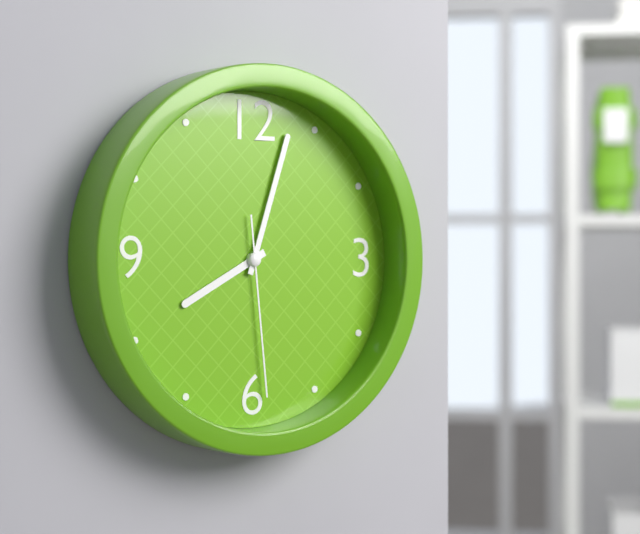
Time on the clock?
8:03:29
